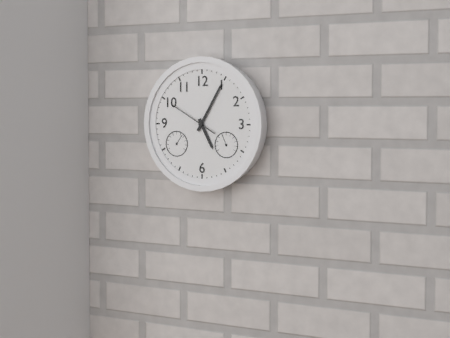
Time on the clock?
5:05
